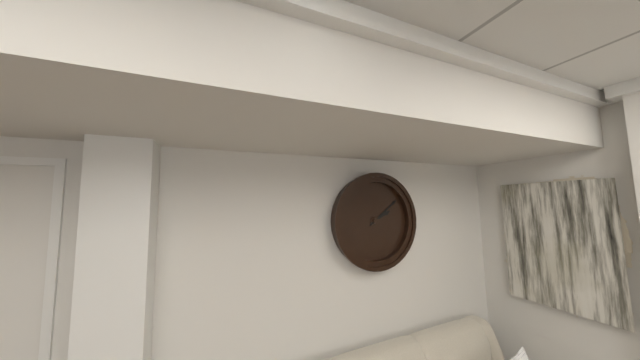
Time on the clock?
2:09
